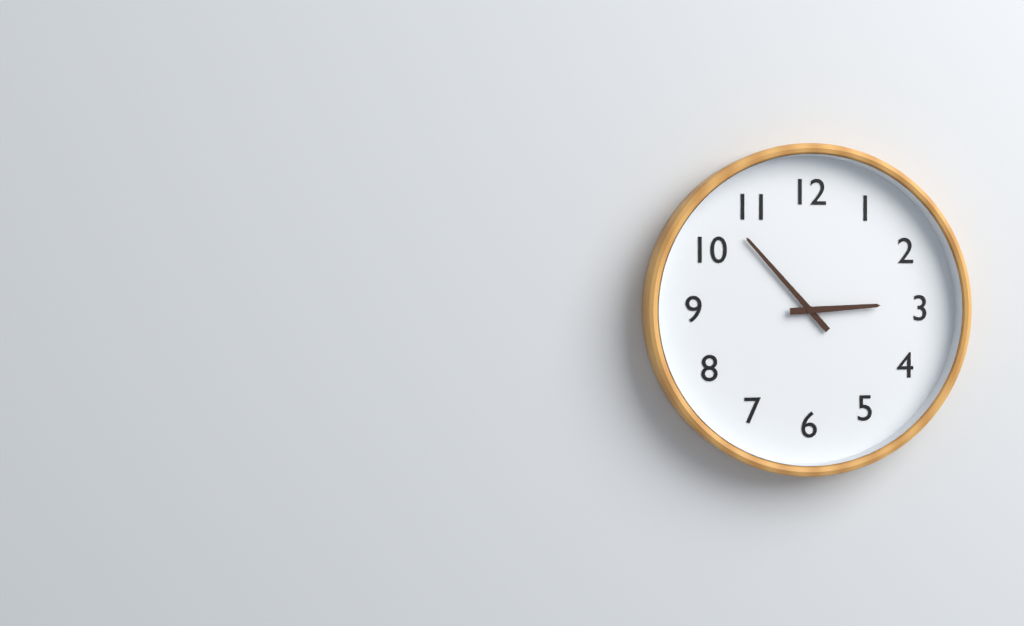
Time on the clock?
2:53
